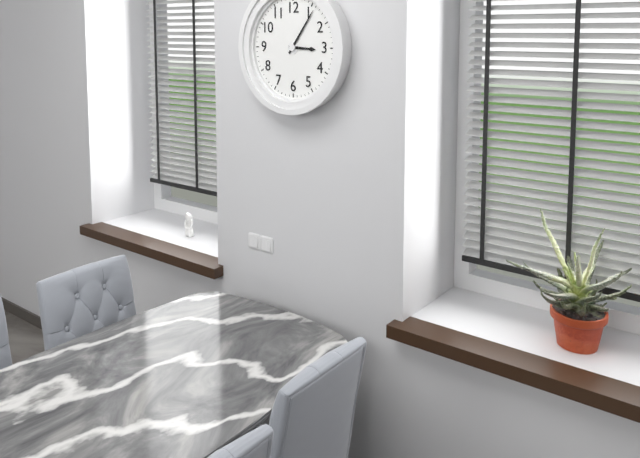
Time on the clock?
3:06
